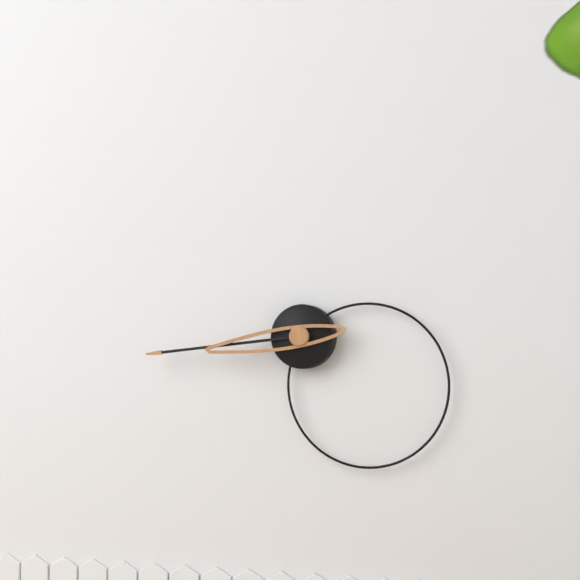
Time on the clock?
8:44
